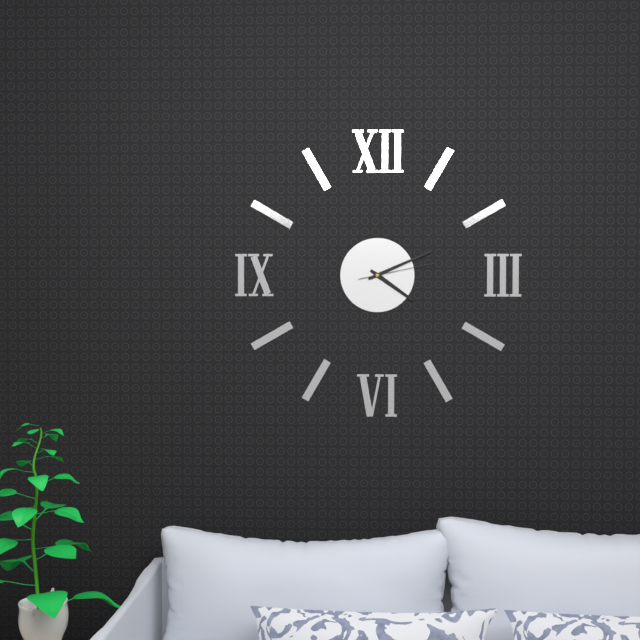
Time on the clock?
4:11:13
